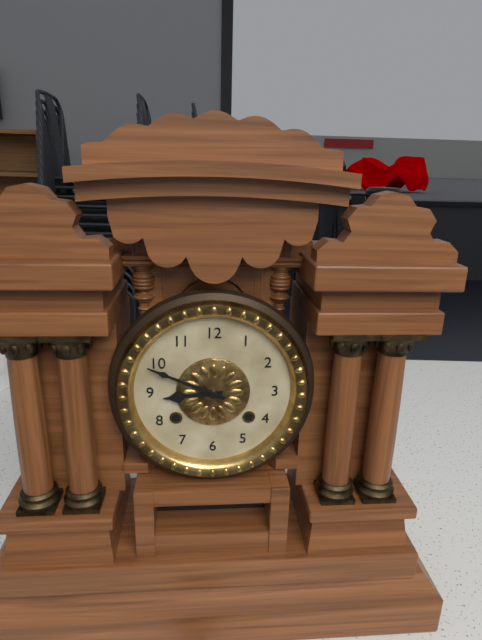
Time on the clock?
8:49
